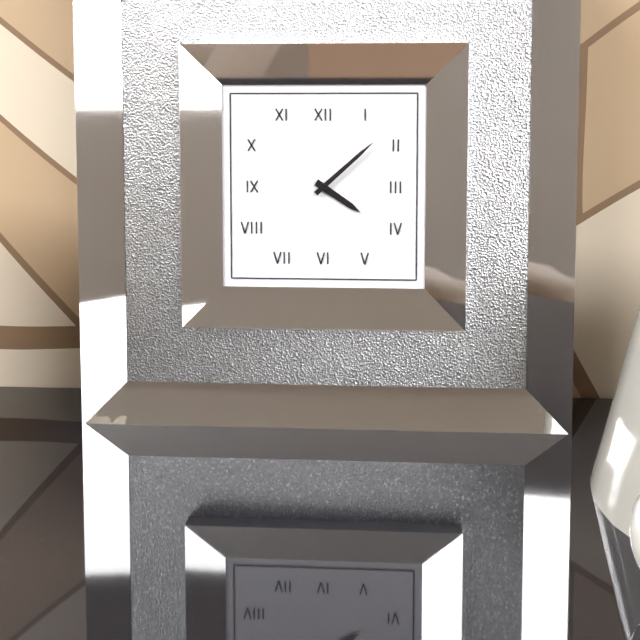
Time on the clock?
4:08
